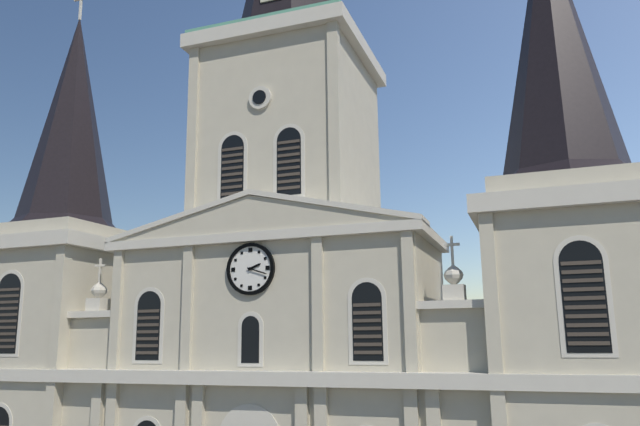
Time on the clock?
2:18
